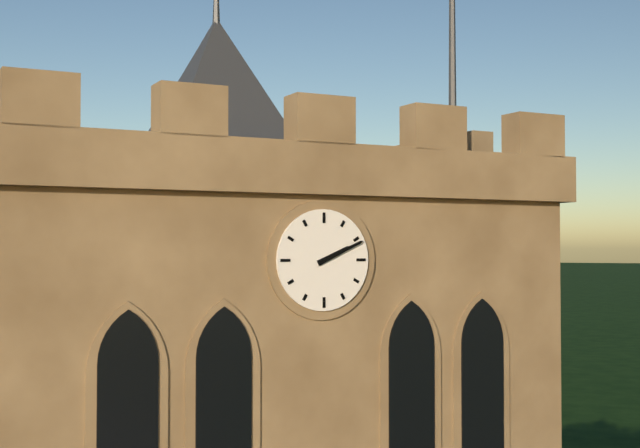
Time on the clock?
2:11
